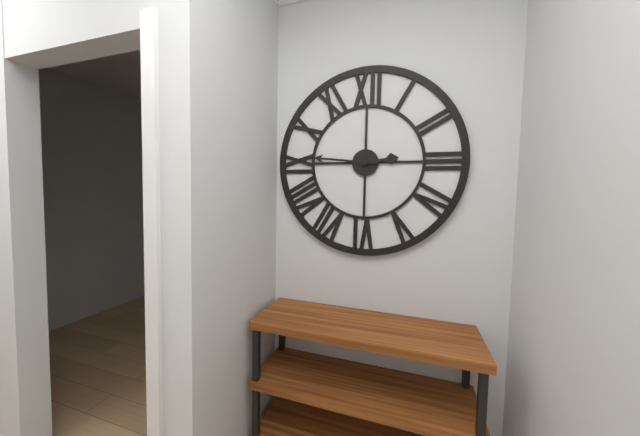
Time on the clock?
2:46
